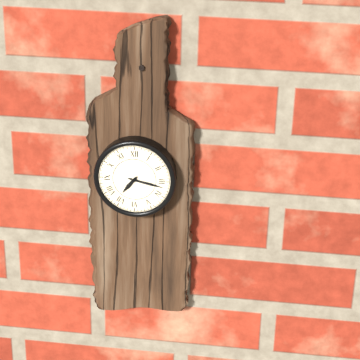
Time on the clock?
7:17
